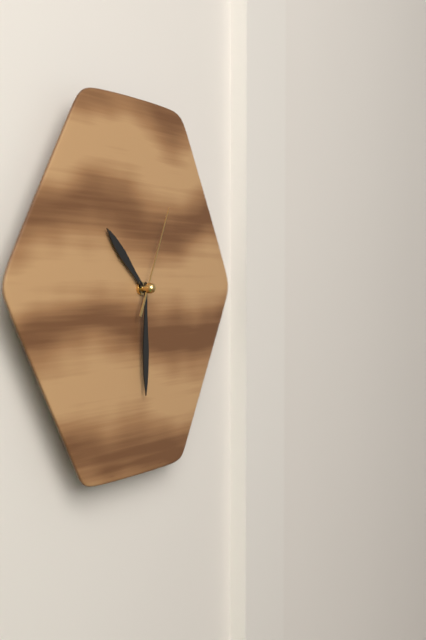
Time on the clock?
10:30:04
